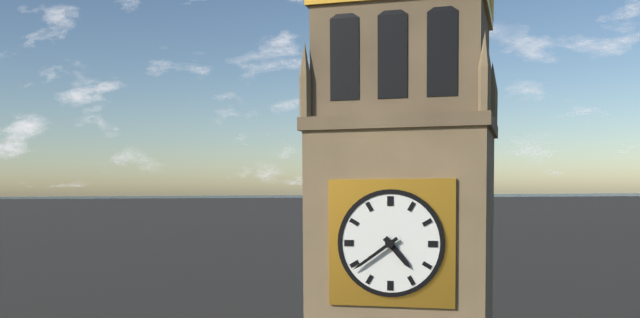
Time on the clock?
4:39
